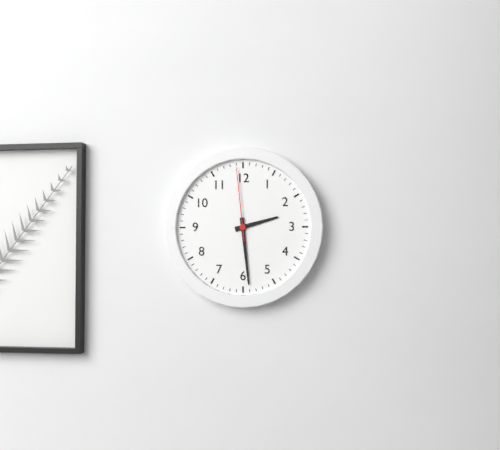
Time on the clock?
2:29:59
